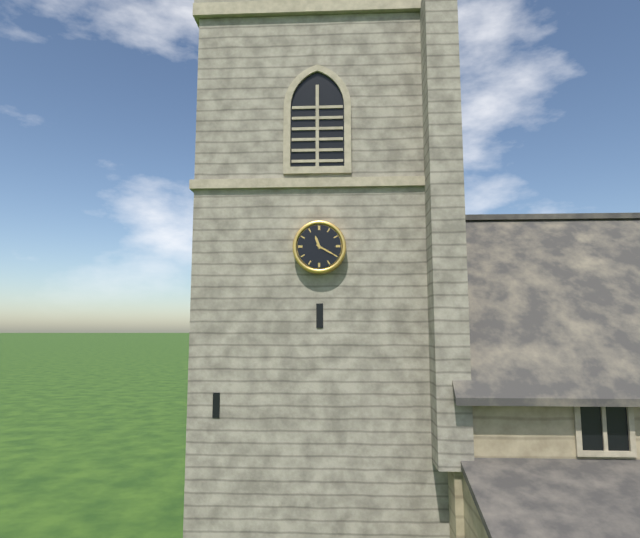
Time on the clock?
11:20
